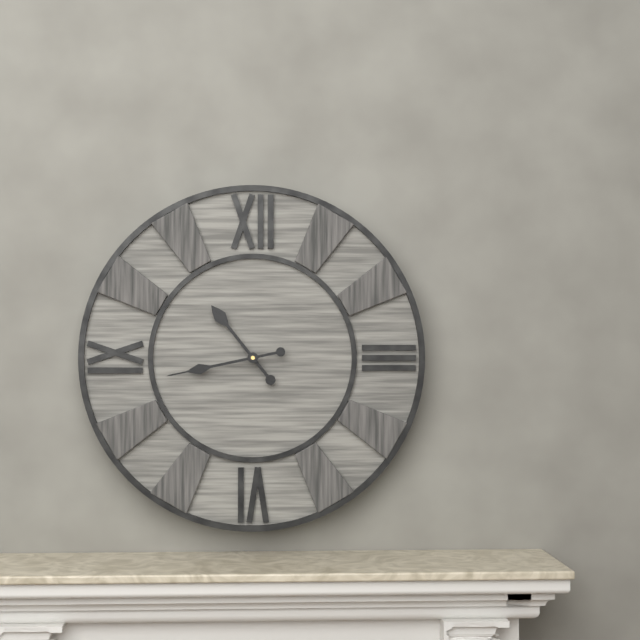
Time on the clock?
10:43
